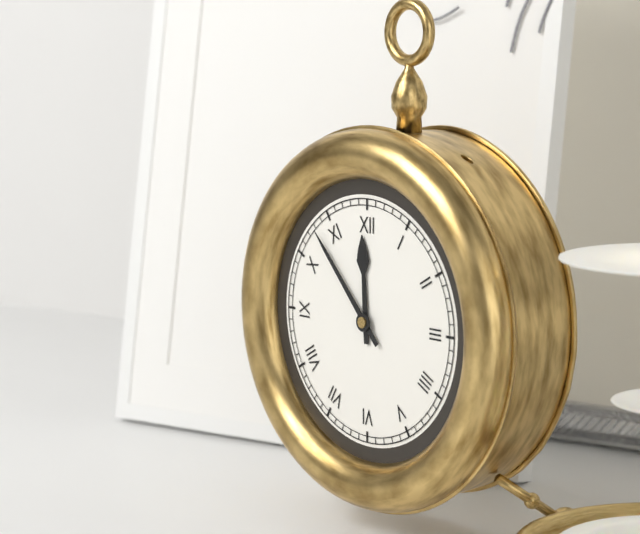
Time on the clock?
11:53
